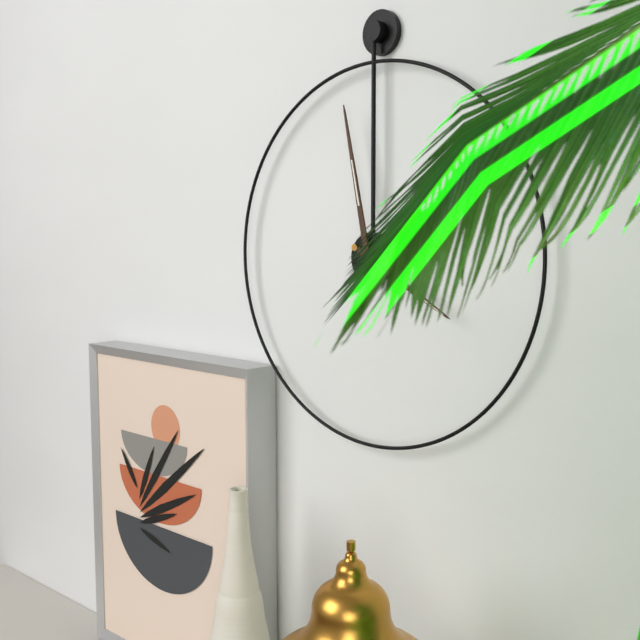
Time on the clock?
3:58
